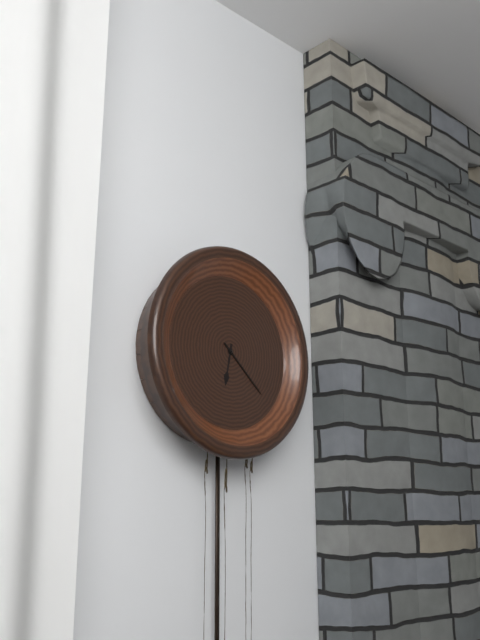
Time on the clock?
6:22
